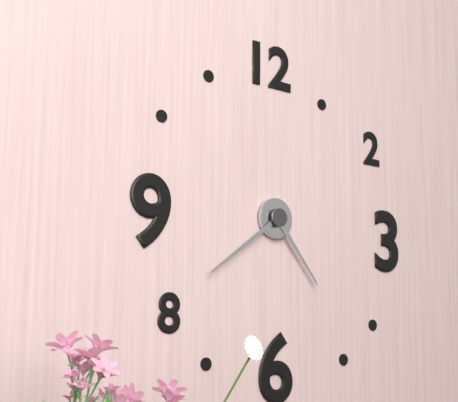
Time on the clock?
4:39
